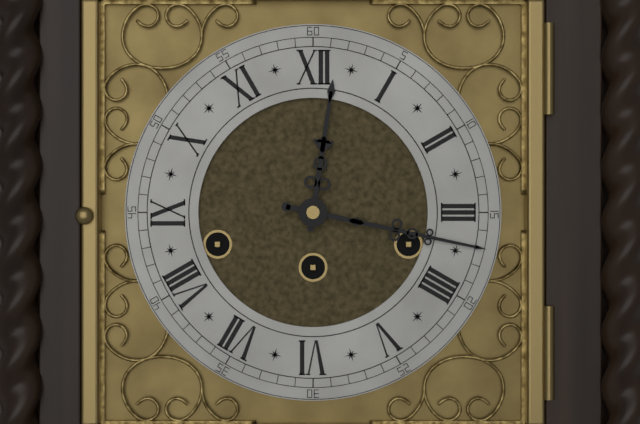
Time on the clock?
12:17
